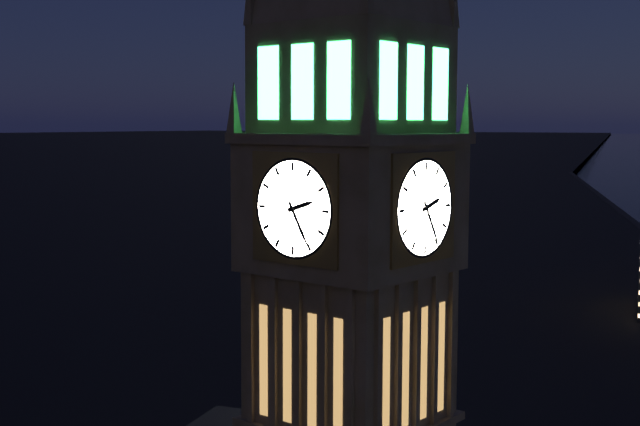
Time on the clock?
2:25
